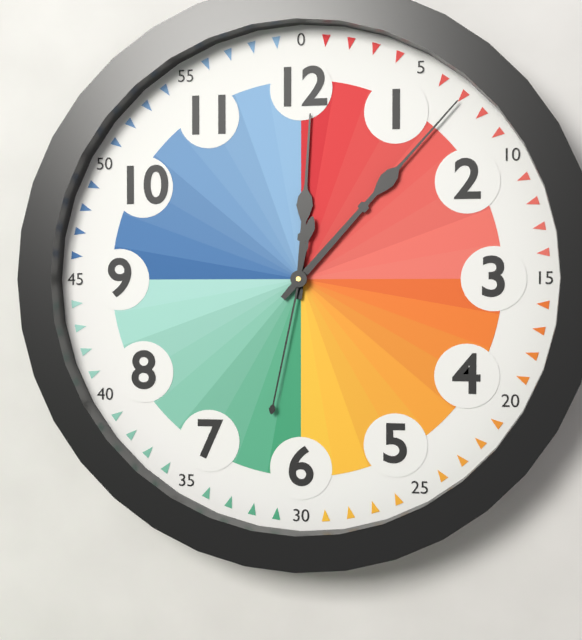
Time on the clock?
12:07:32
